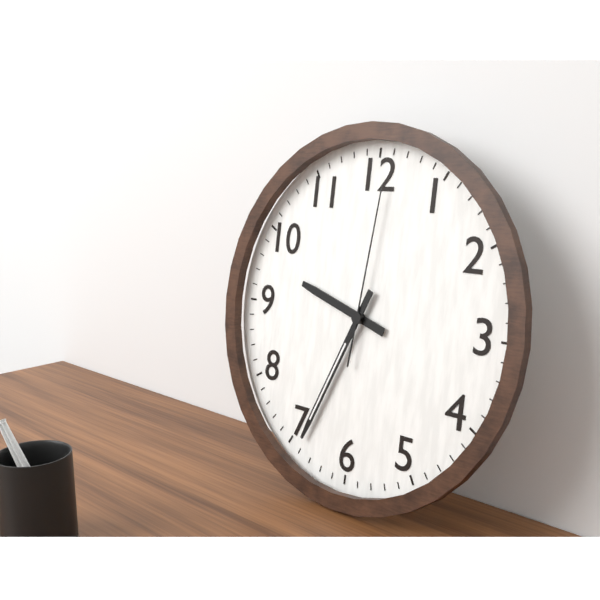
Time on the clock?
9:34:01
